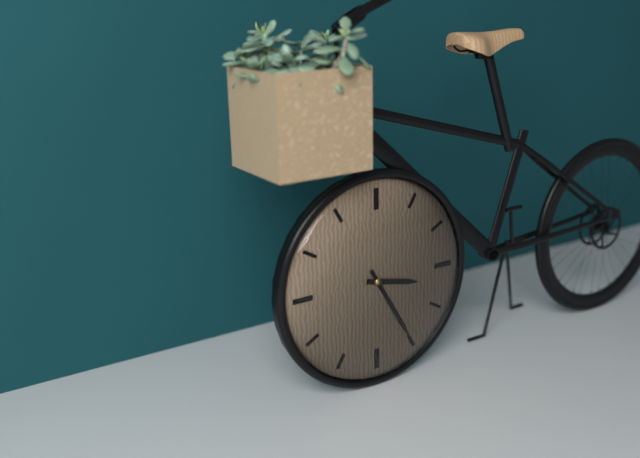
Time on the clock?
3:25
